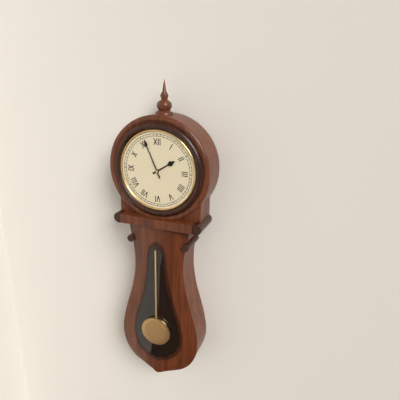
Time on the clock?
1:56
